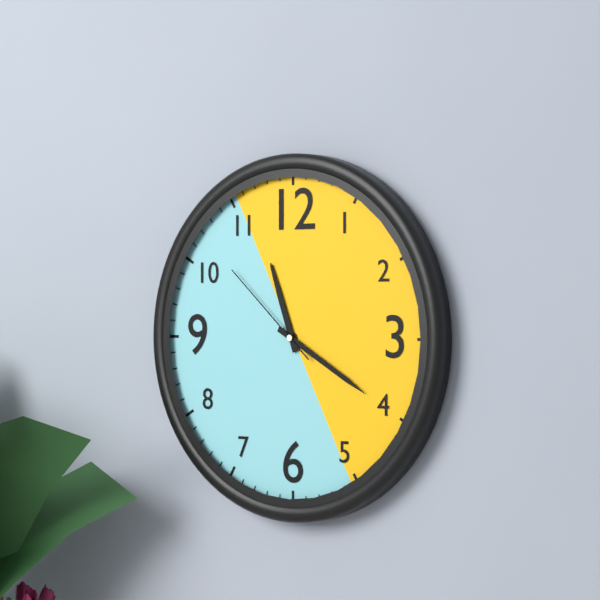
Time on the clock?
11:20:52
